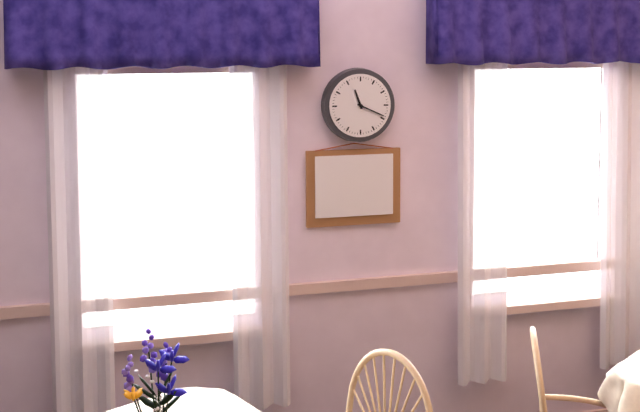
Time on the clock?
11:19
